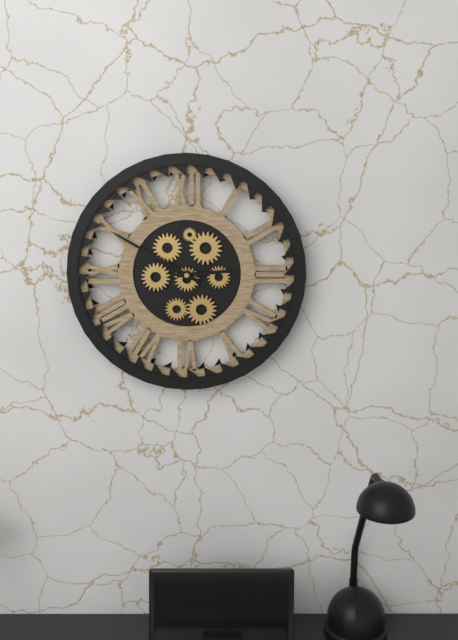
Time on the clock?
2:50
